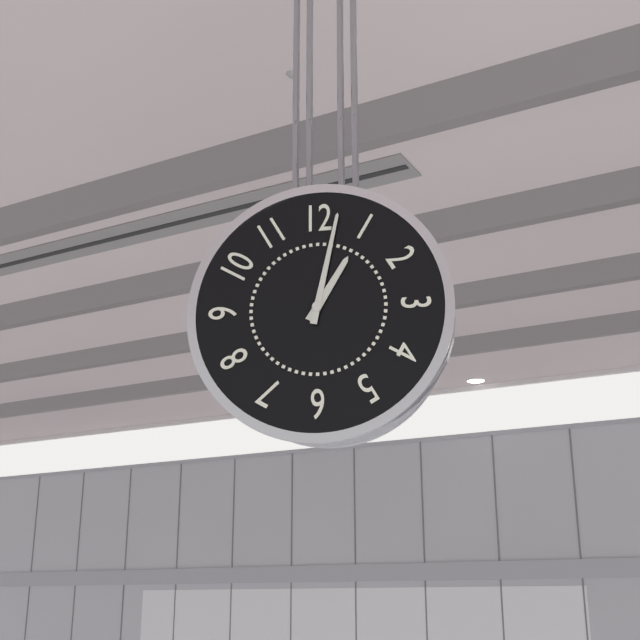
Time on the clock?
1:02
